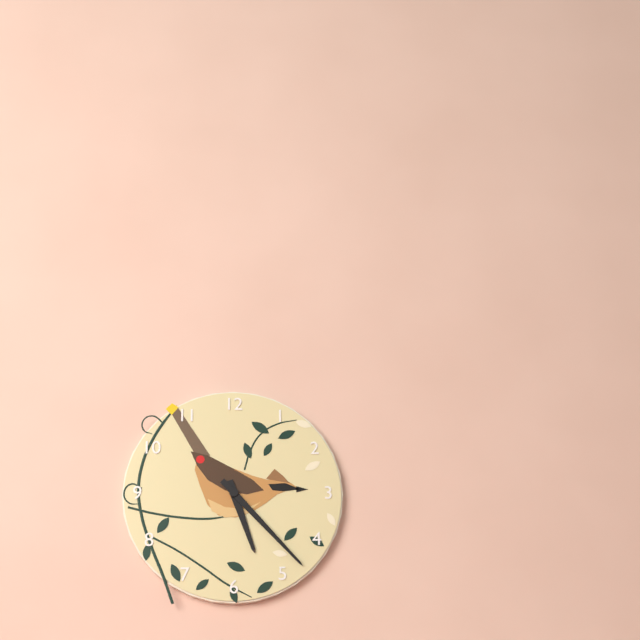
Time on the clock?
5:23
